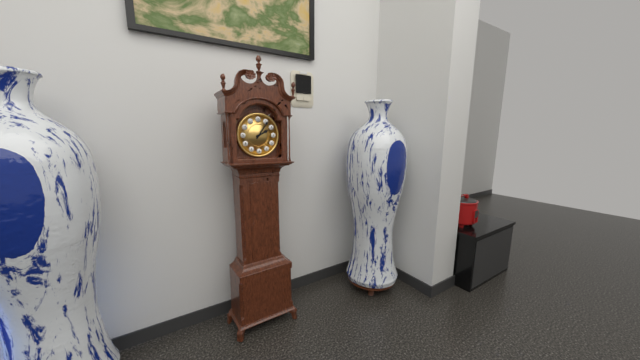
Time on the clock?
2:06
